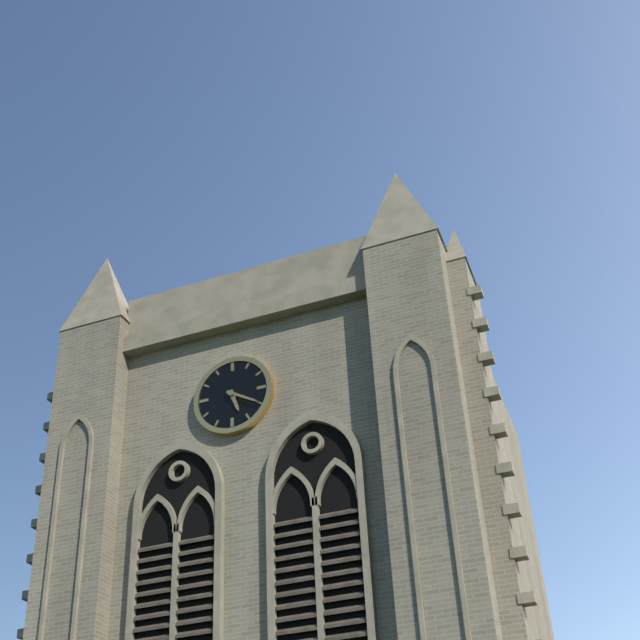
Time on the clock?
5:20
